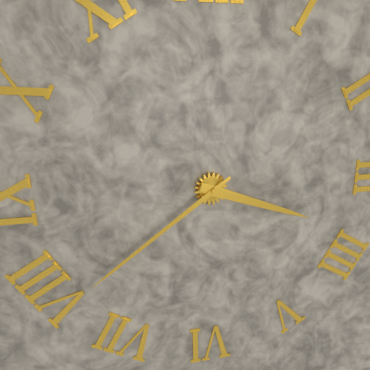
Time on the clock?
3:39
